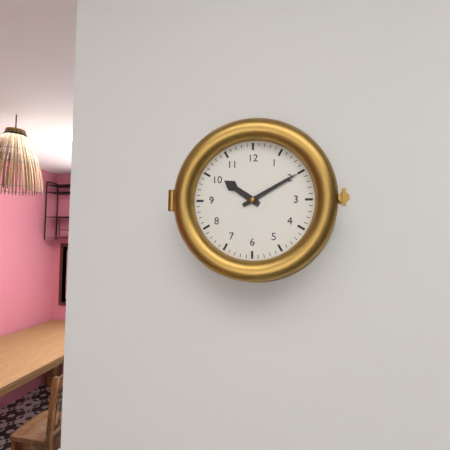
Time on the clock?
10:10
